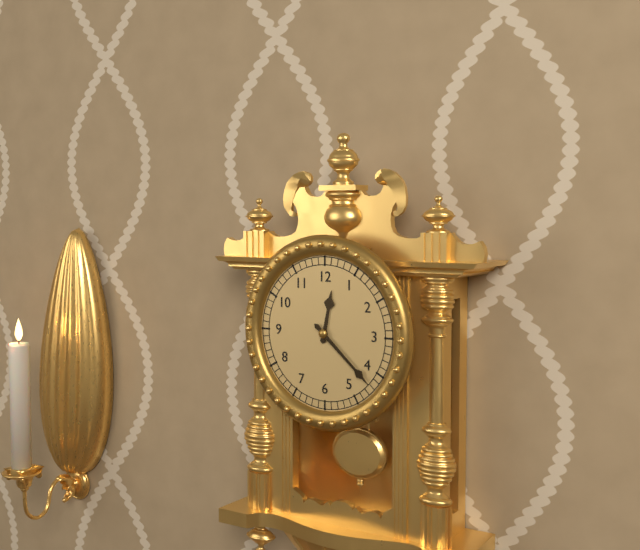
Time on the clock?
12:22
